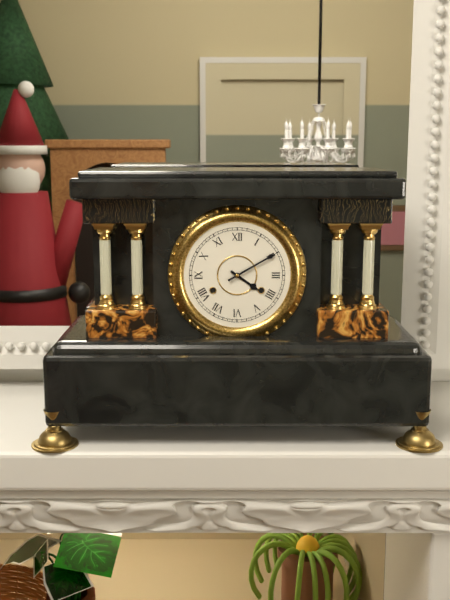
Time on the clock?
4:10
